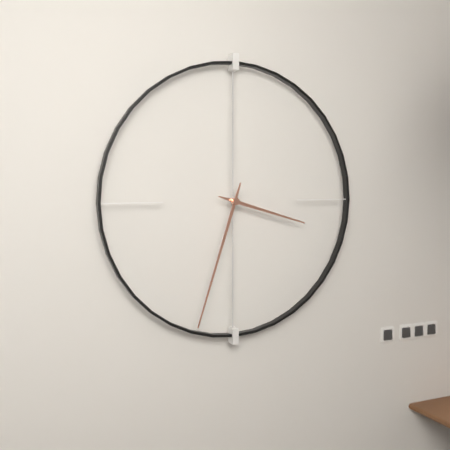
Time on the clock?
3:33
